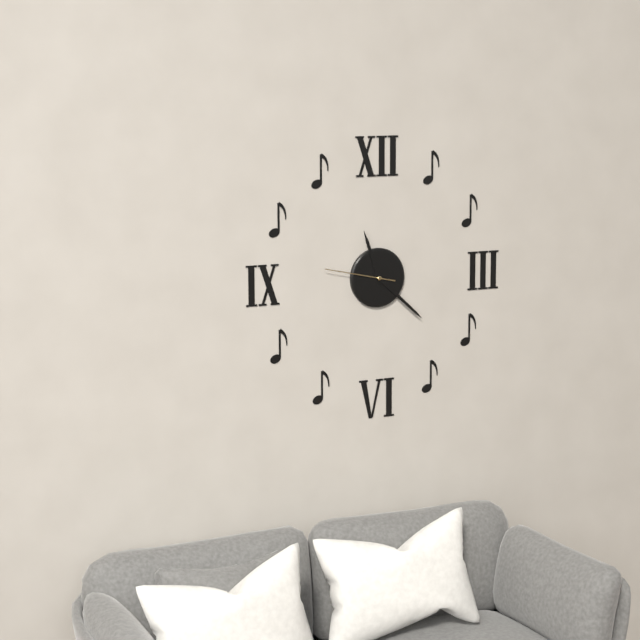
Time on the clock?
11:22:47
